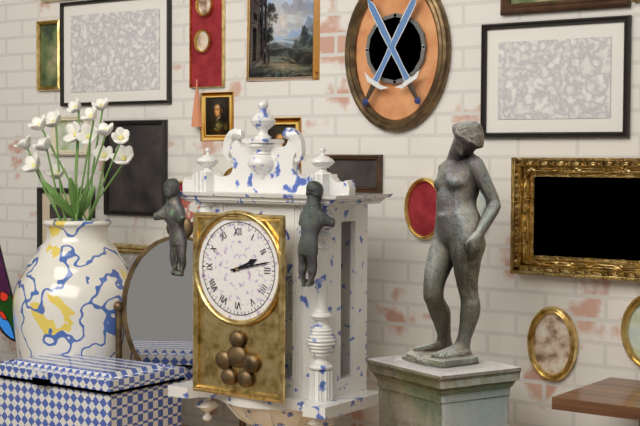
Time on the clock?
2:13
